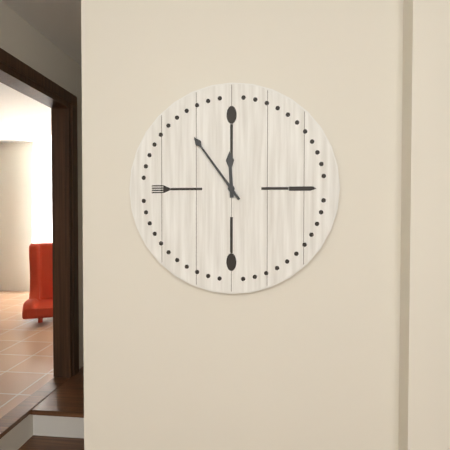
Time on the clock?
11:54
